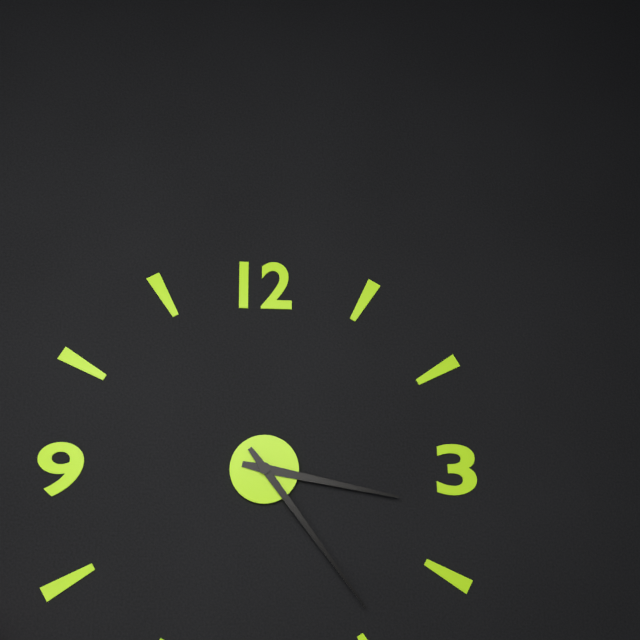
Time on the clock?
3:24
